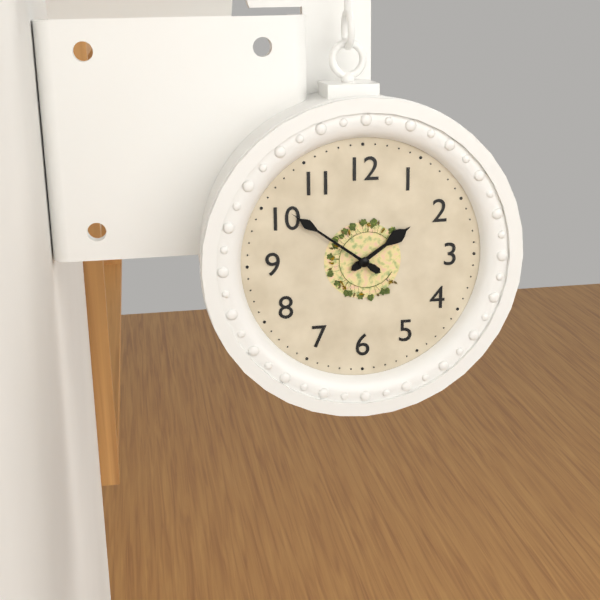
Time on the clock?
1:51
